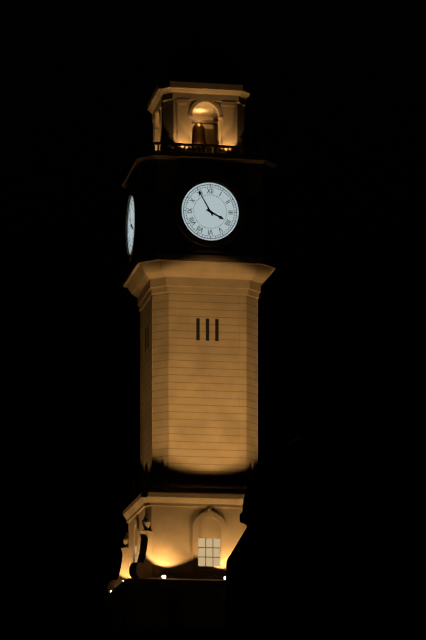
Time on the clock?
3:55
